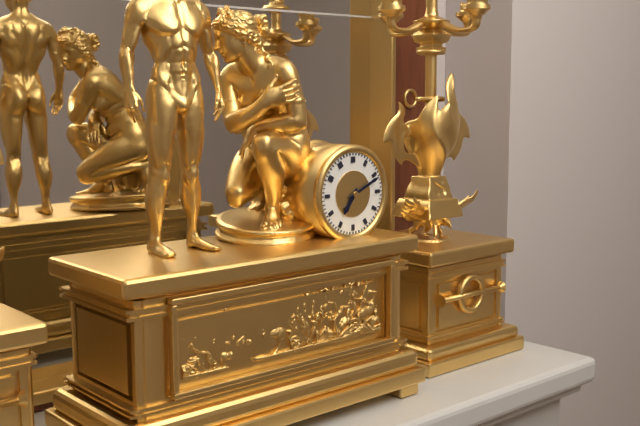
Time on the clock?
7:11
